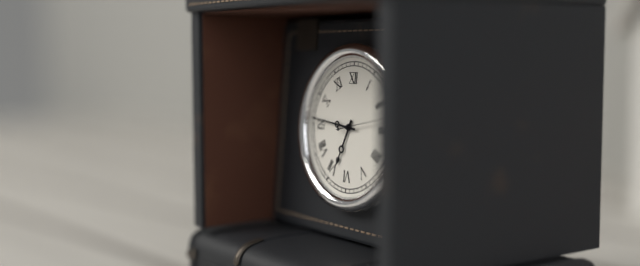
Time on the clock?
6:46:13
